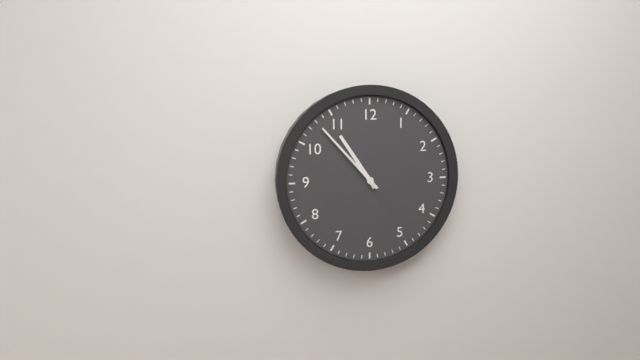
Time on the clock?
10:53
